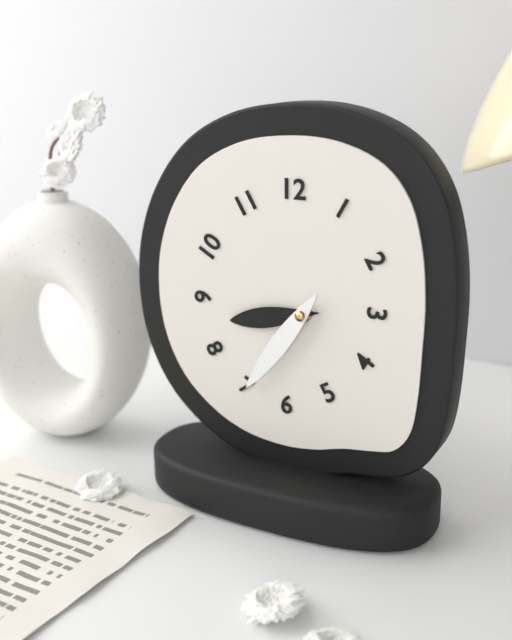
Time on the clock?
8:36
